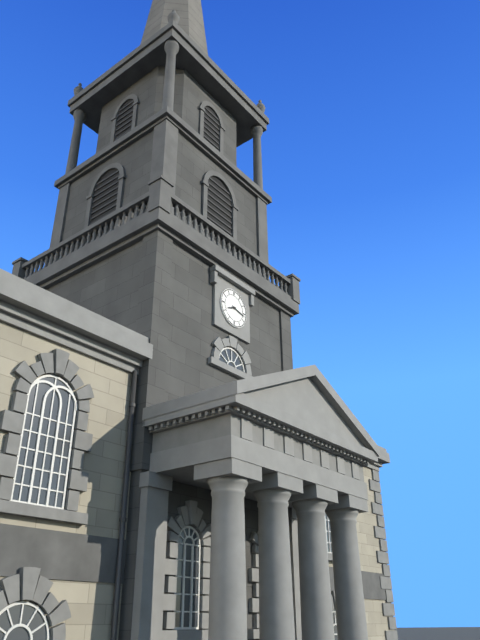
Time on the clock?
8:17
